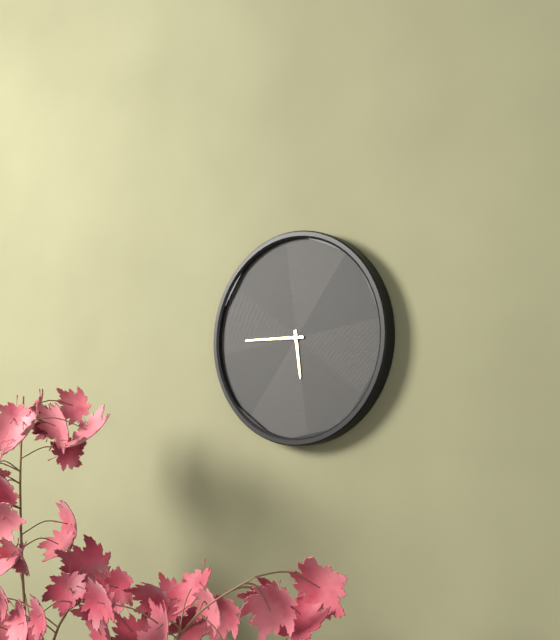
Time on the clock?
5:45
